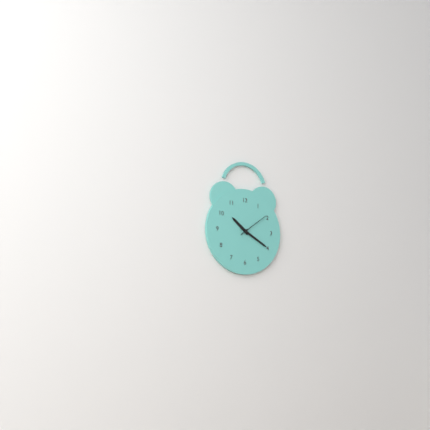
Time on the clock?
10:20
